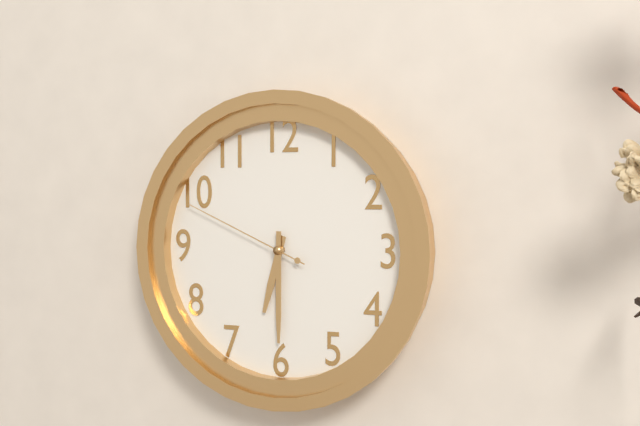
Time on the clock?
6:30:49
